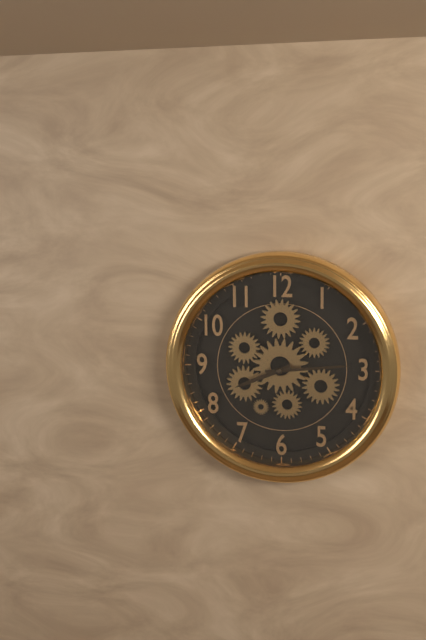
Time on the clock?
8:14
